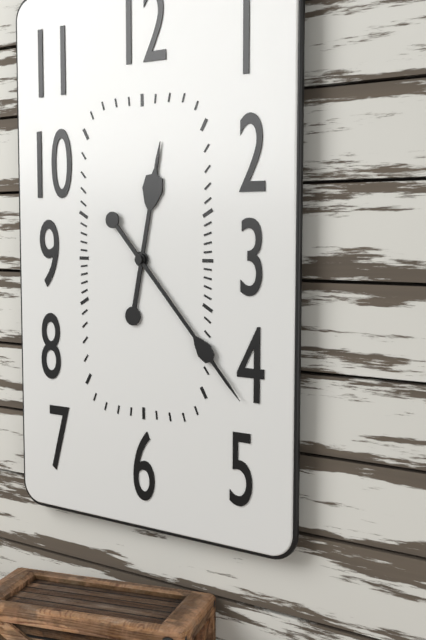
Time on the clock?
12:23
